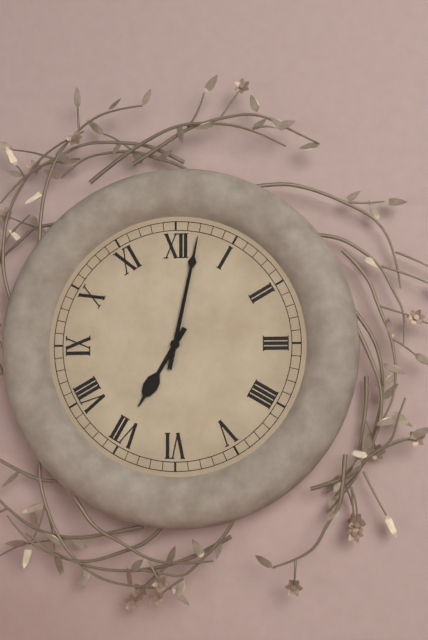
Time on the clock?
7:02
